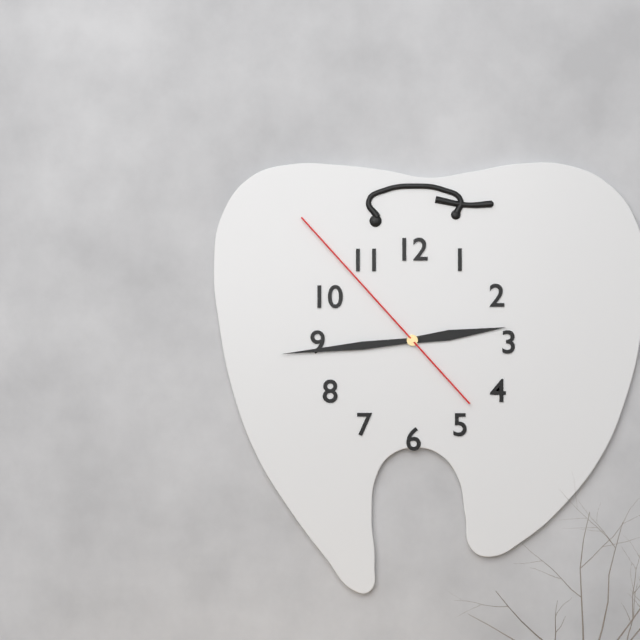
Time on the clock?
2:44:53
